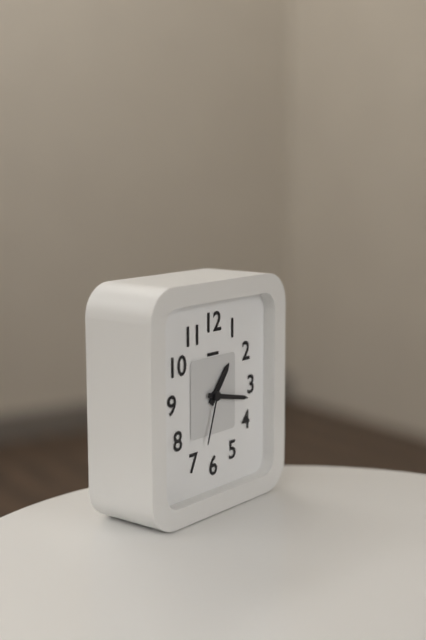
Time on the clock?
1:17:33
